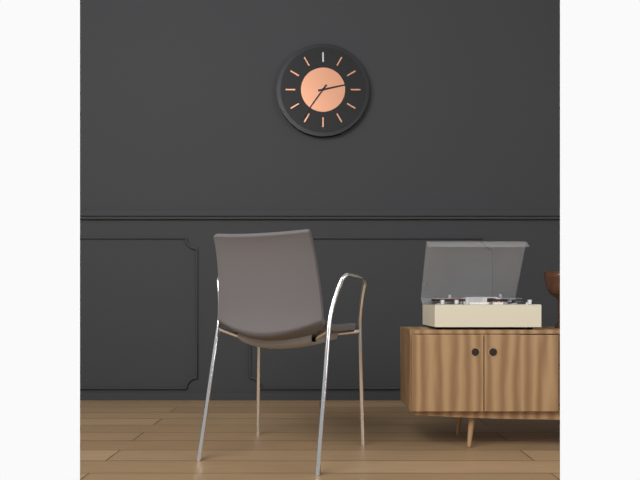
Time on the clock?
2:36
